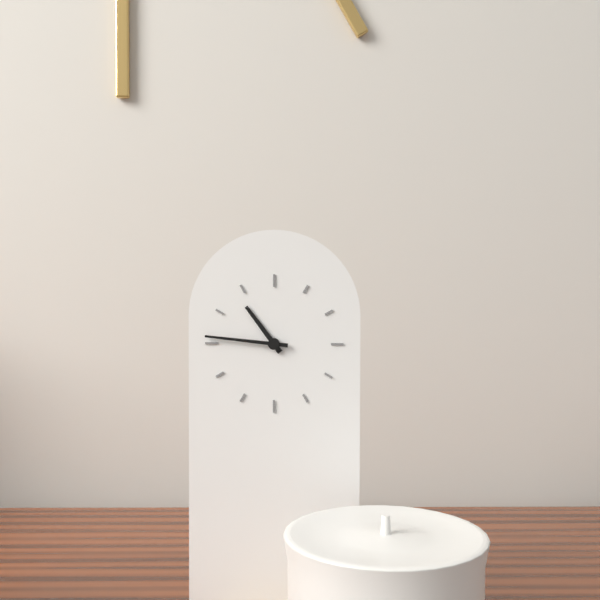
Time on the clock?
10:46
